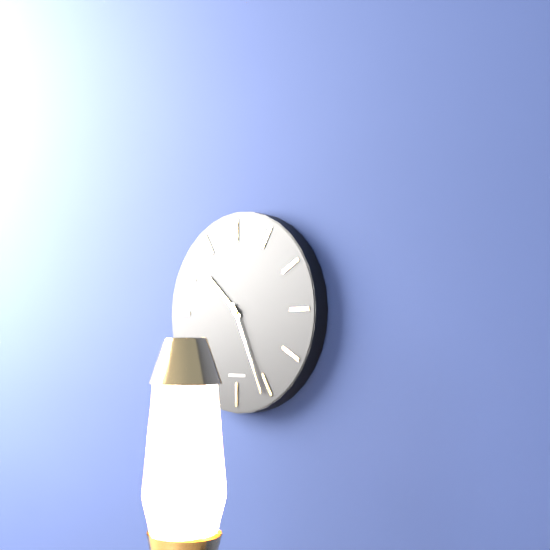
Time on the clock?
10:26
